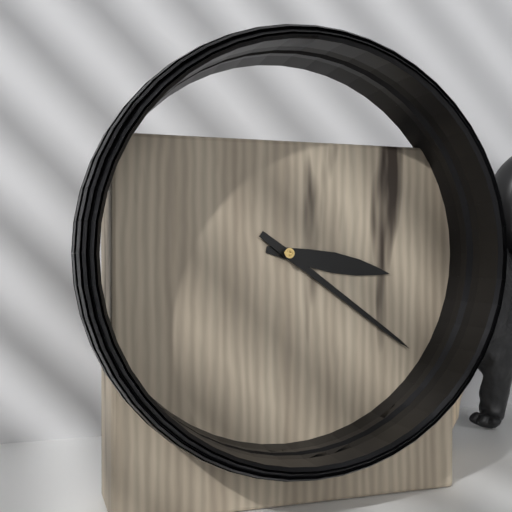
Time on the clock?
3:21
